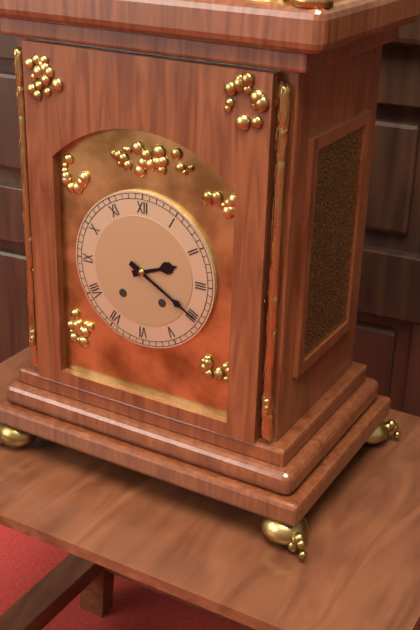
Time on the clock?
2:20
